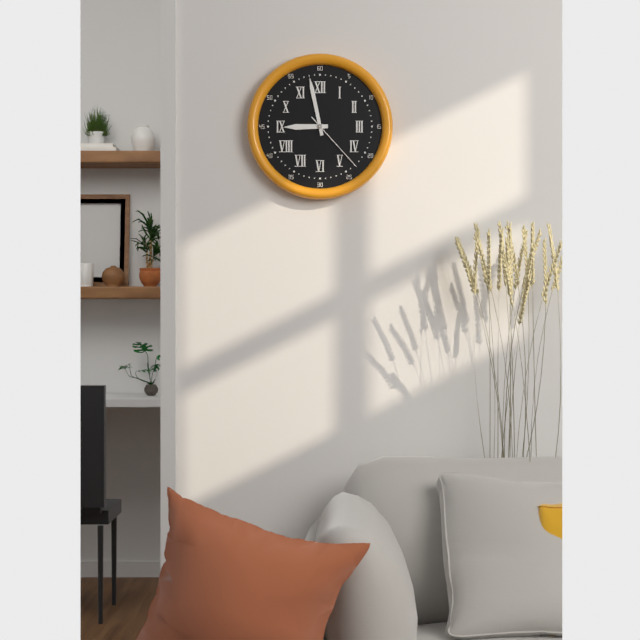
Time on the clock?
8:58:23
